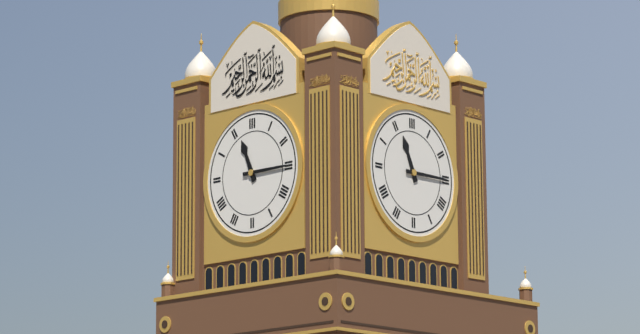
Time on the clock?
11:15
